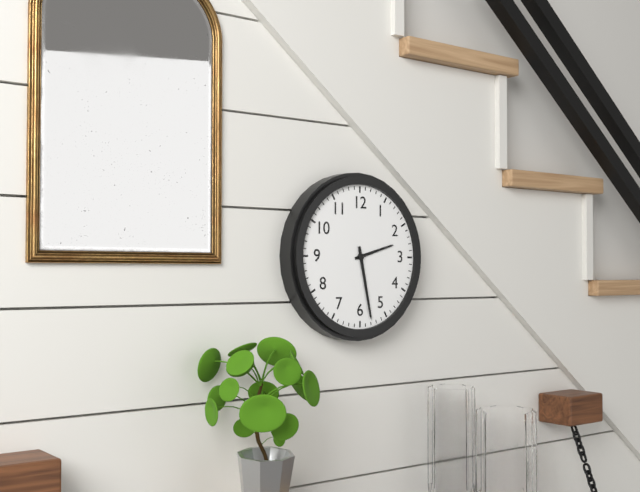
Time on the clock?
2:28
